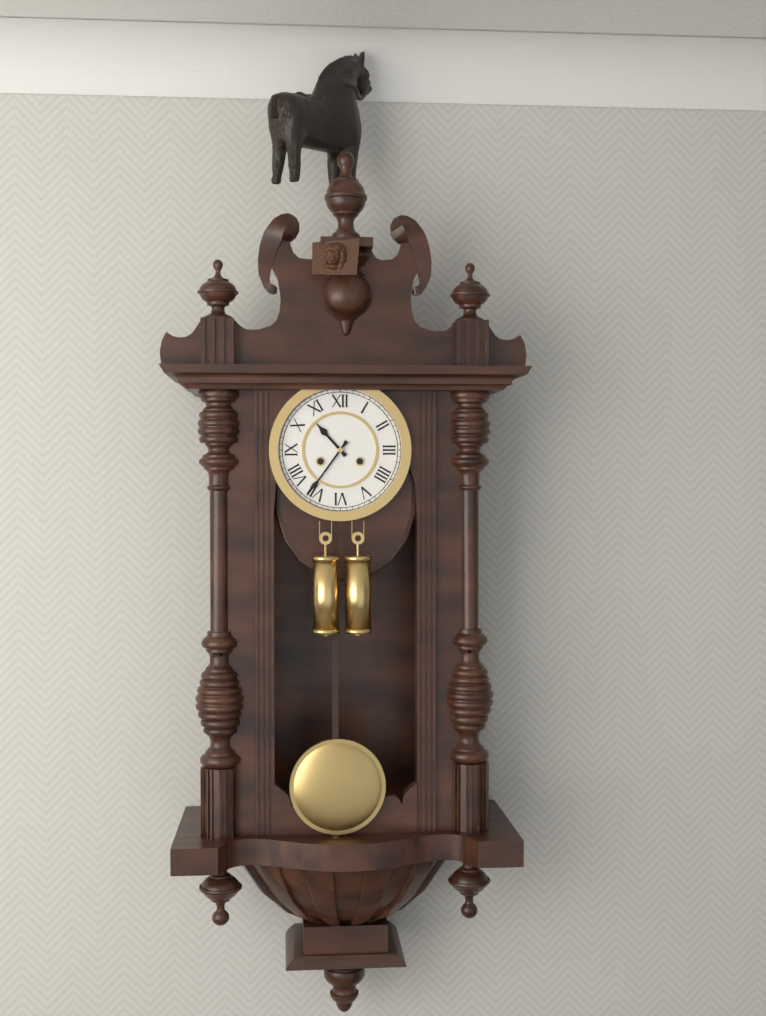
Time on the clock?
10:36
